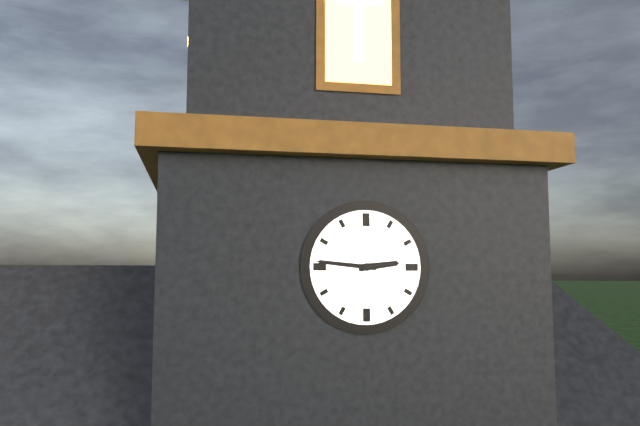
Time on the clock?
2:46
